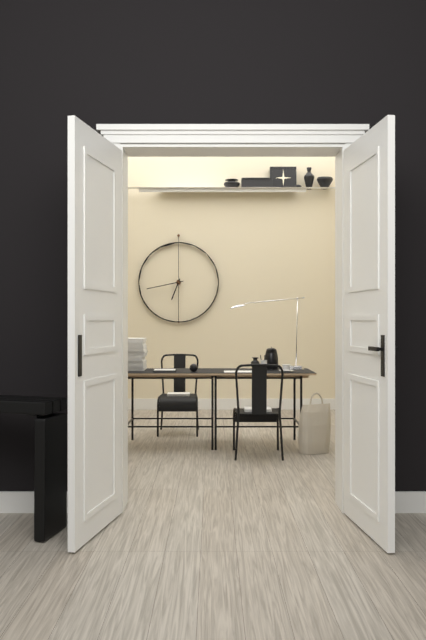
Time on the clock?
6:43
